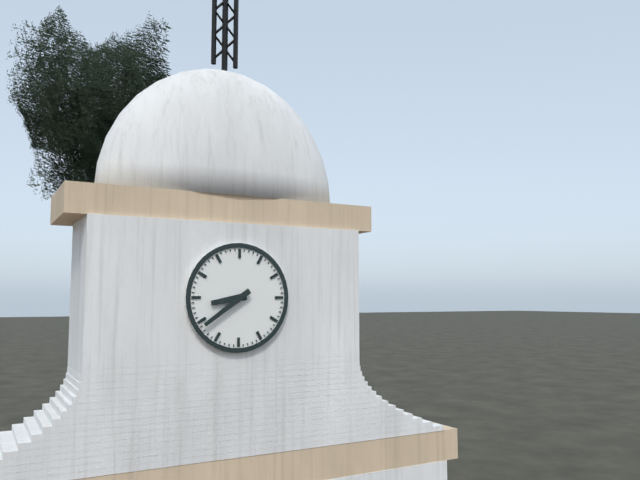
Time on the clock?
8:39
